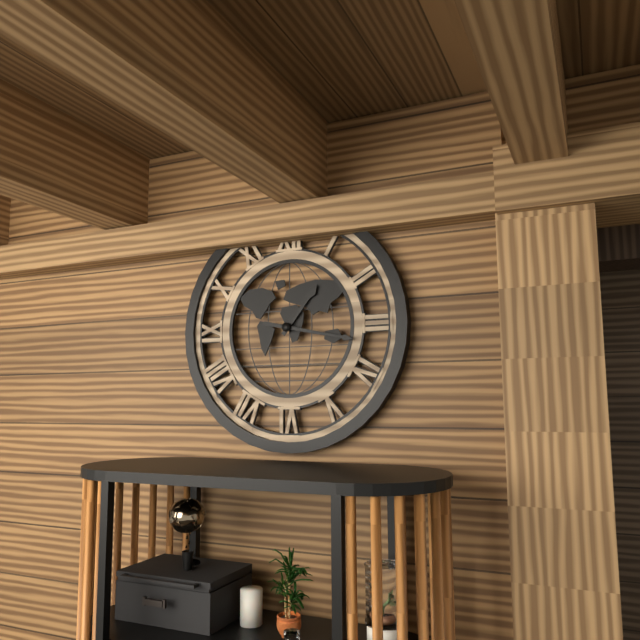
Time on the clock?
1:17
